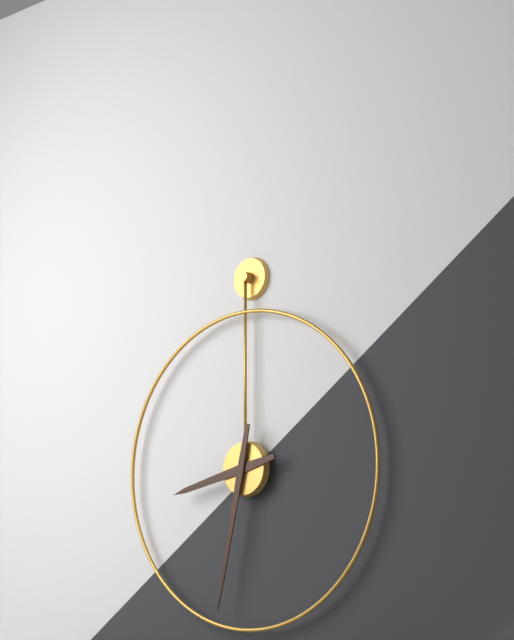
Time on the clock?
8:32
